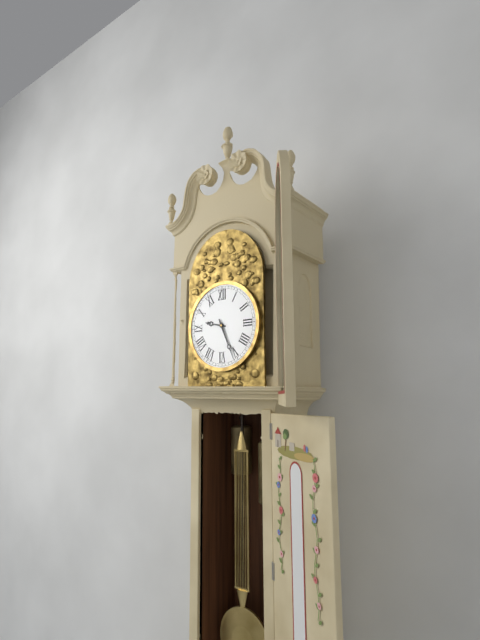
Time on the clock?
9:26
